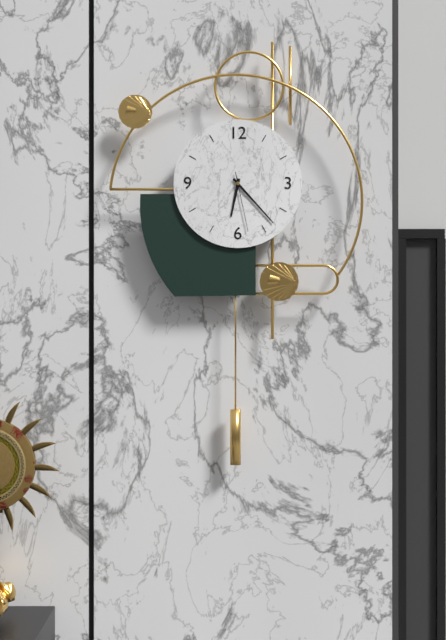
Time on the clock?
6:23:28
